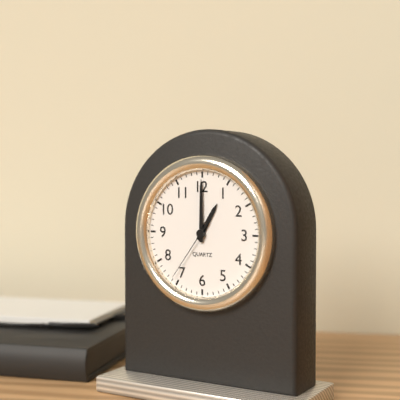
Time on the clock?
1:00:36
